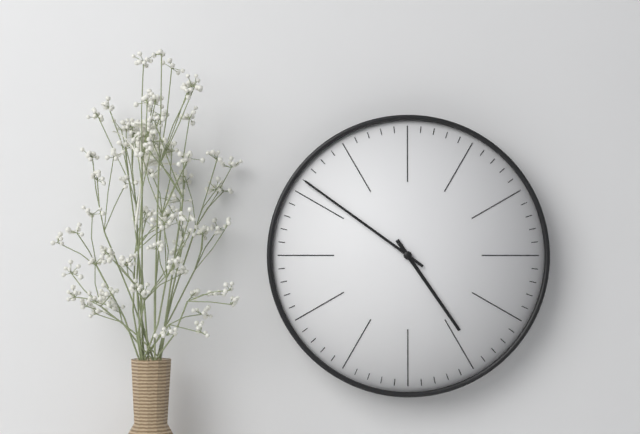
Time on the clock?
4:51
